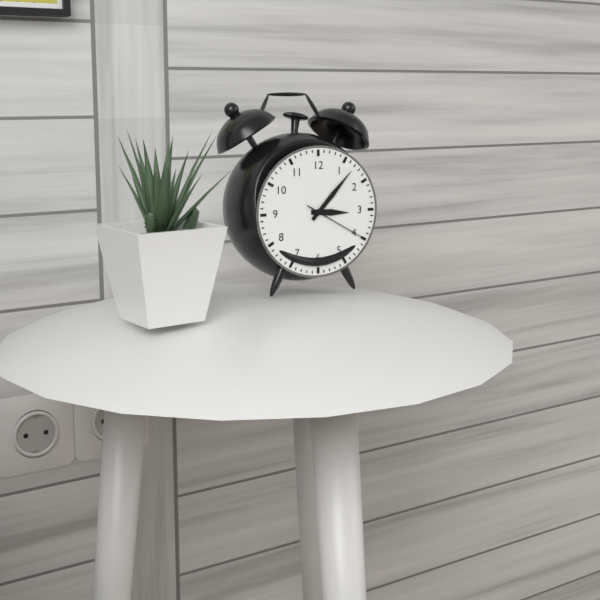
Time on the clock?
3:07:20
